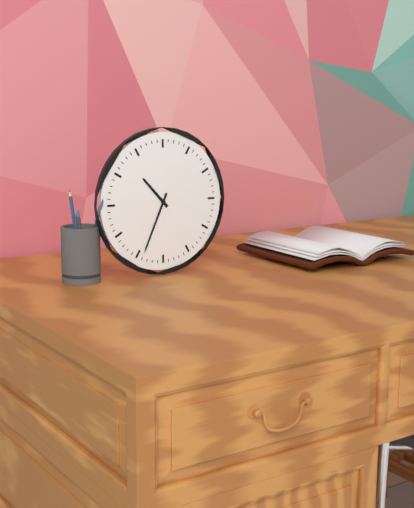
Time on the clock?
10:34
